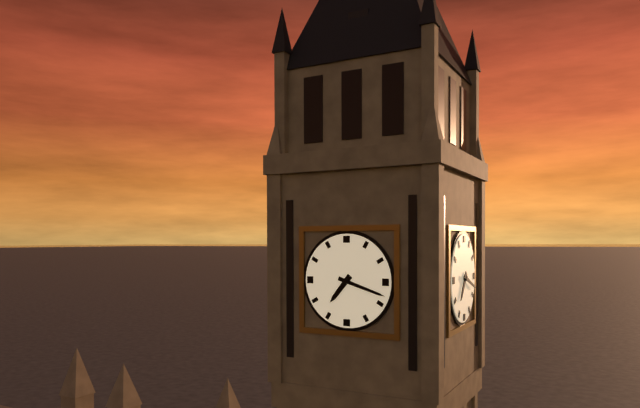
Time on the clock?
7:18
